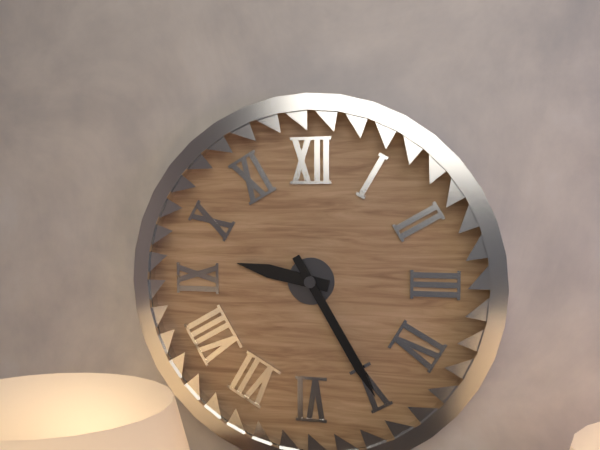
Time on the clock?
9:25
